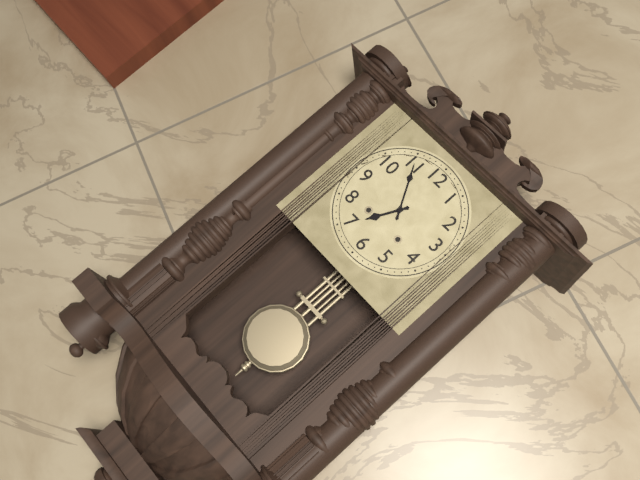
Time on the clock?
6:55
